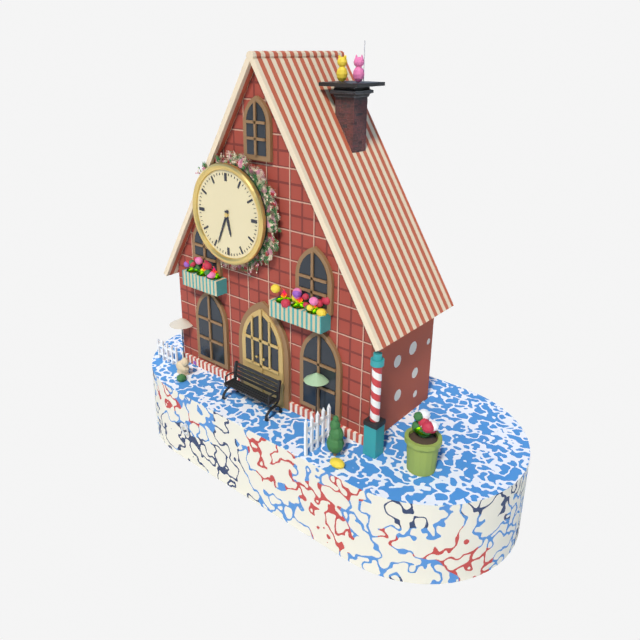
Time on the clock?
5:34
